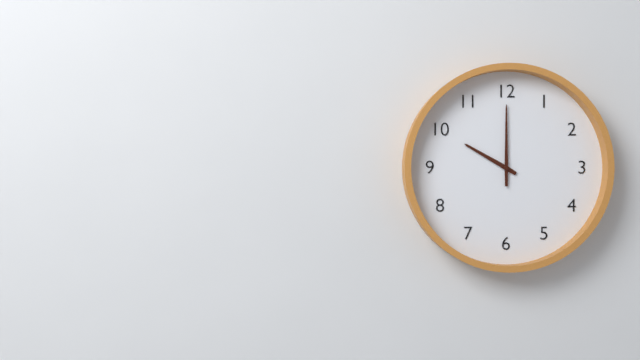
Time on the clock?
10:00
